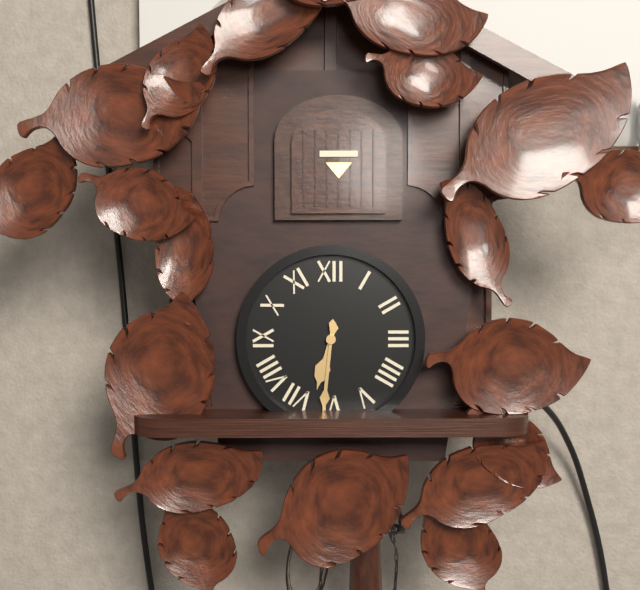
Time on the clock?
6:31
